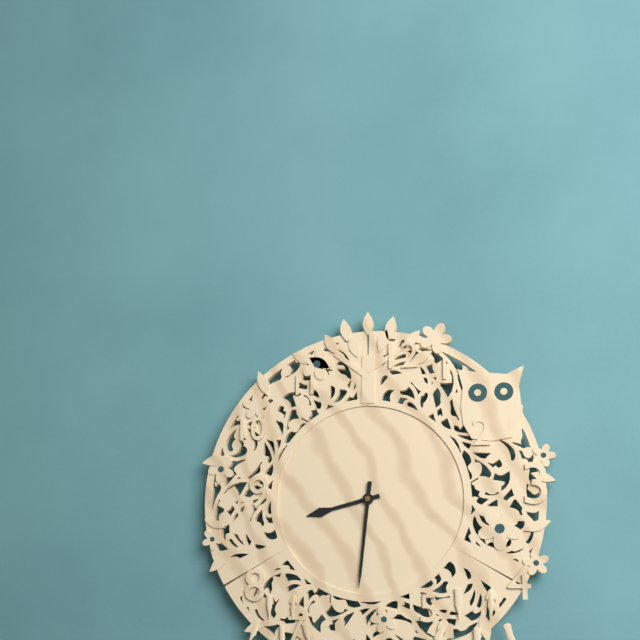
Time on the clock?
8:31
